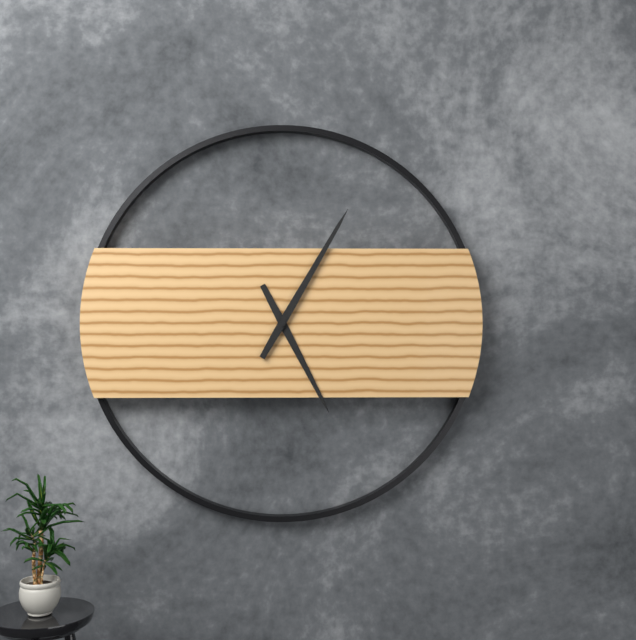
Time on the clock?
5:05
